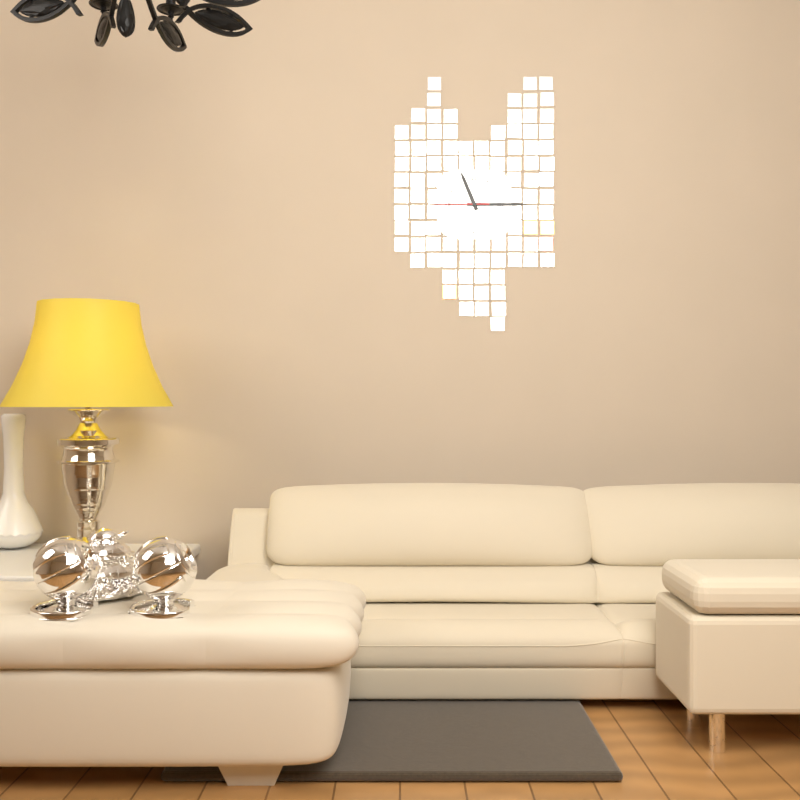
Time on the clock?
11:15:45
